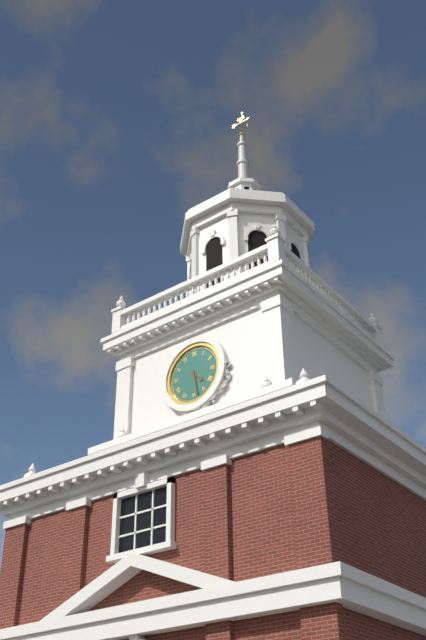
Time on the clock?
4:28
